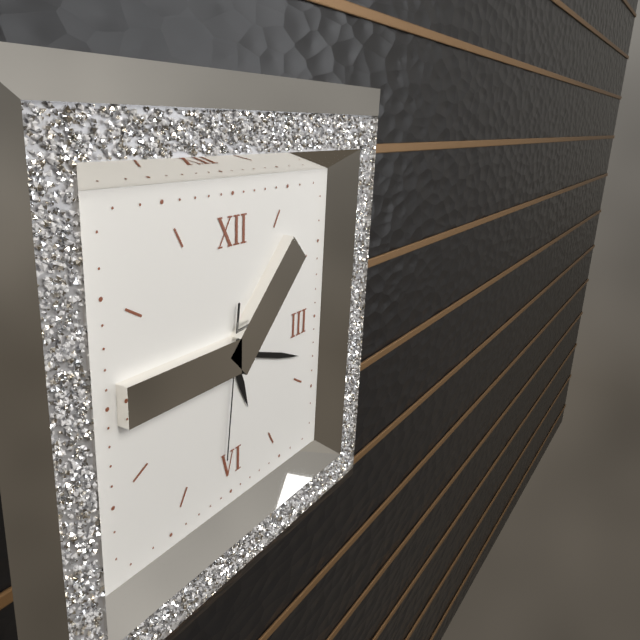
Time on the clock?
5:18:31
